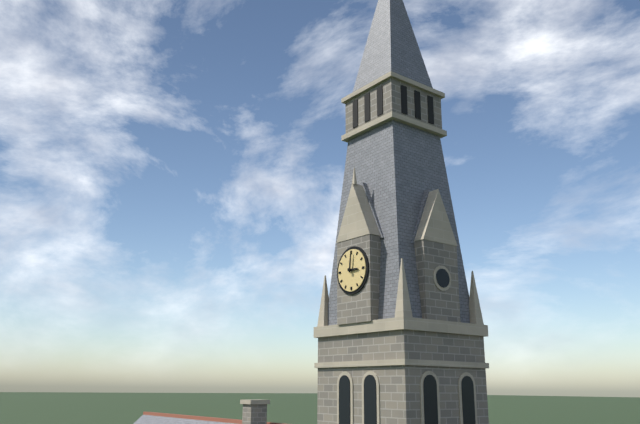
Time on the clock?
3:01
